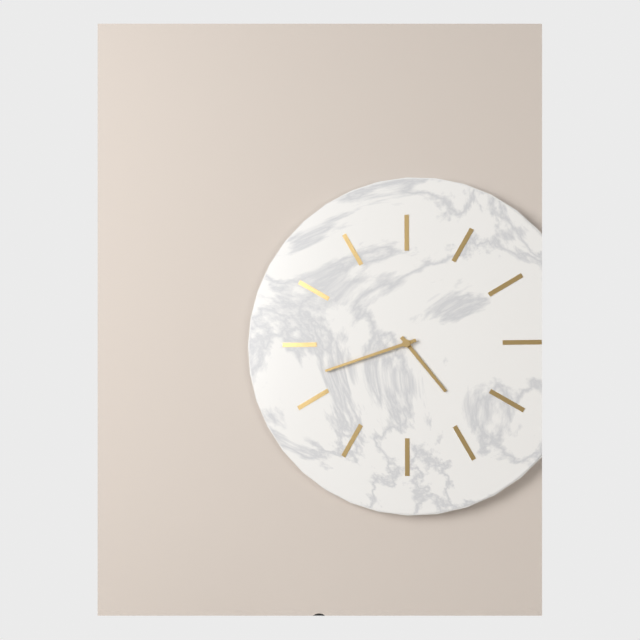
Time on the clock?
4:42
